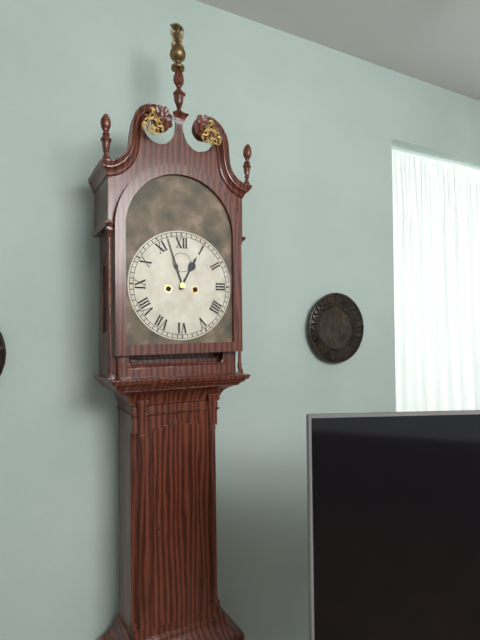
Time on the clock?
12:57
